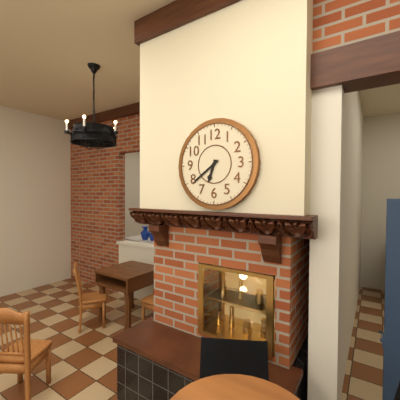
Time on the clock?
6:39
